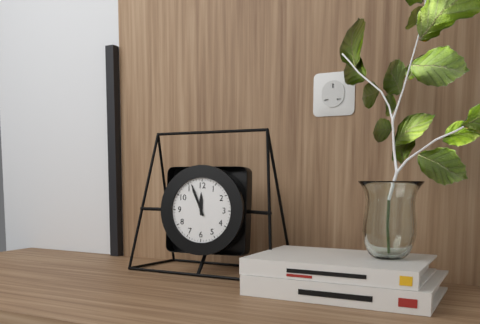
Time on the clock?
11:56
